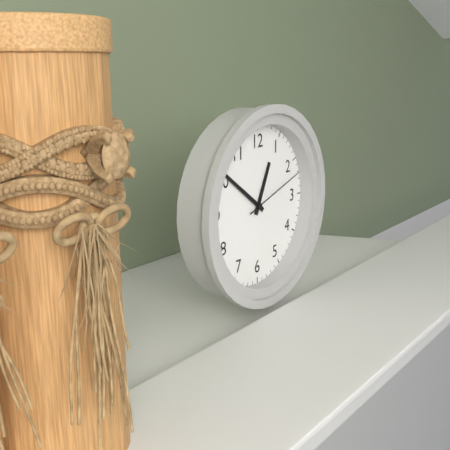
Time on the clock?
12:51:12
